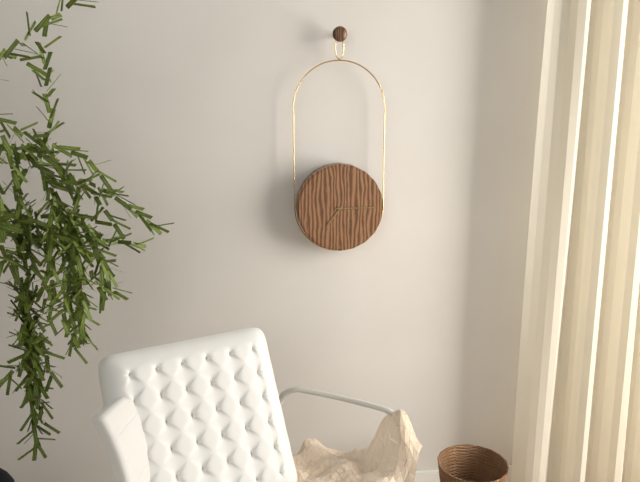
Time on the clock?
7:15
